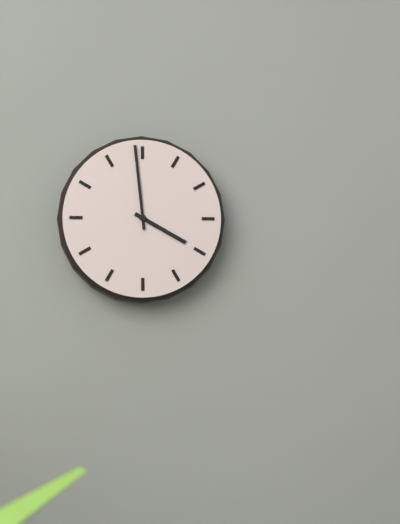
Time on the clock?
3:59
